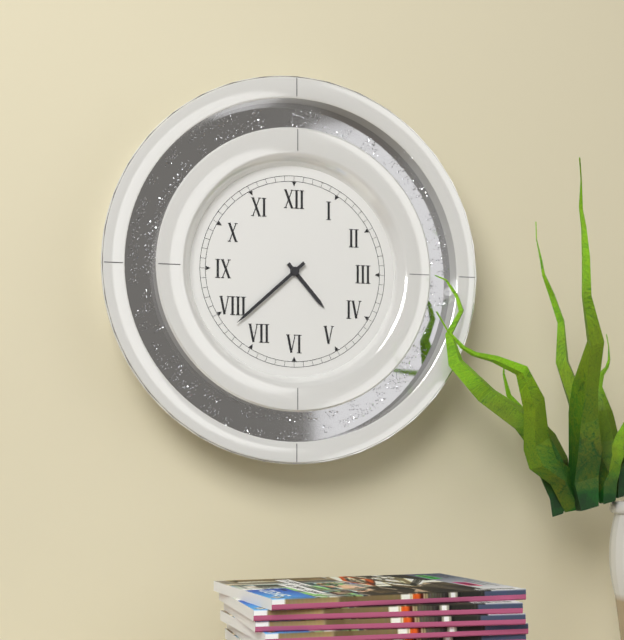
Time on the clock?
4:38
